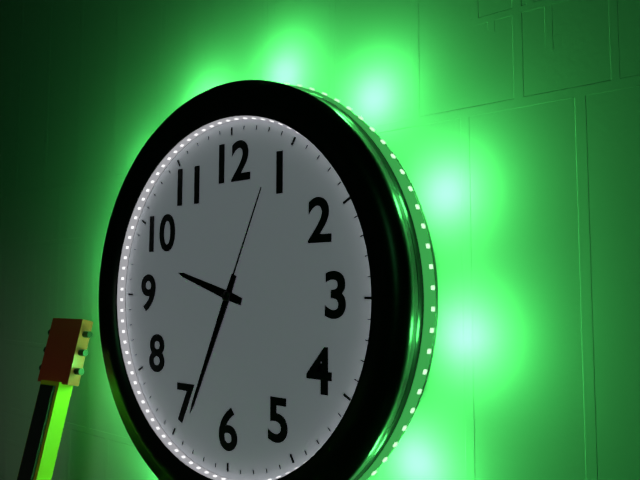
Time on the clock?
9:34:04
